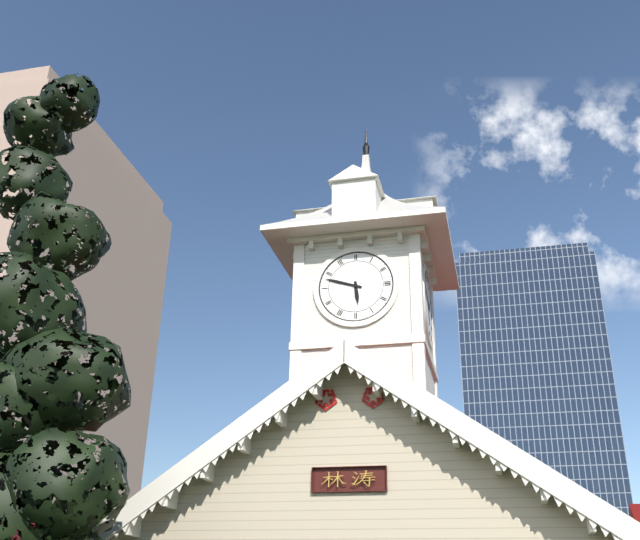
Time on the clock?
5:48
